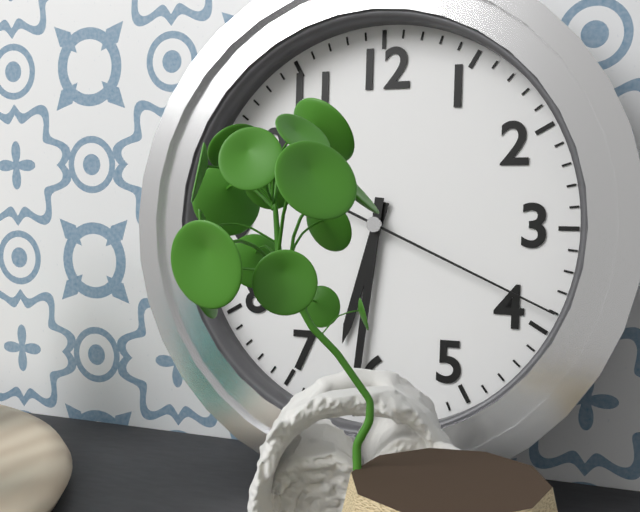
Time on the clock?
6:31:19
